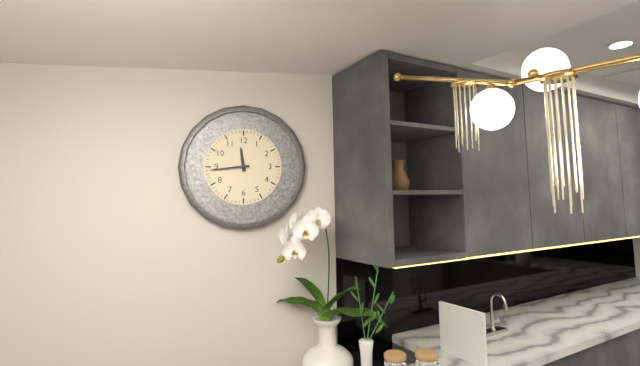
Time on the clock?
11:44
